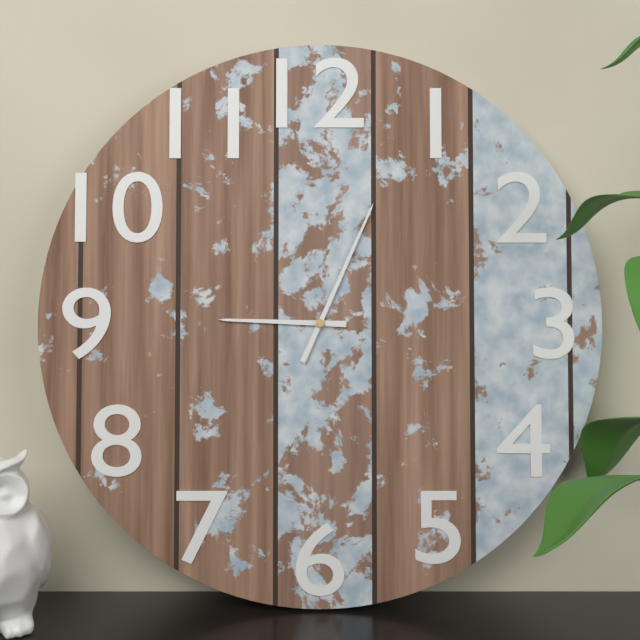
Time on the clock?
9:04
